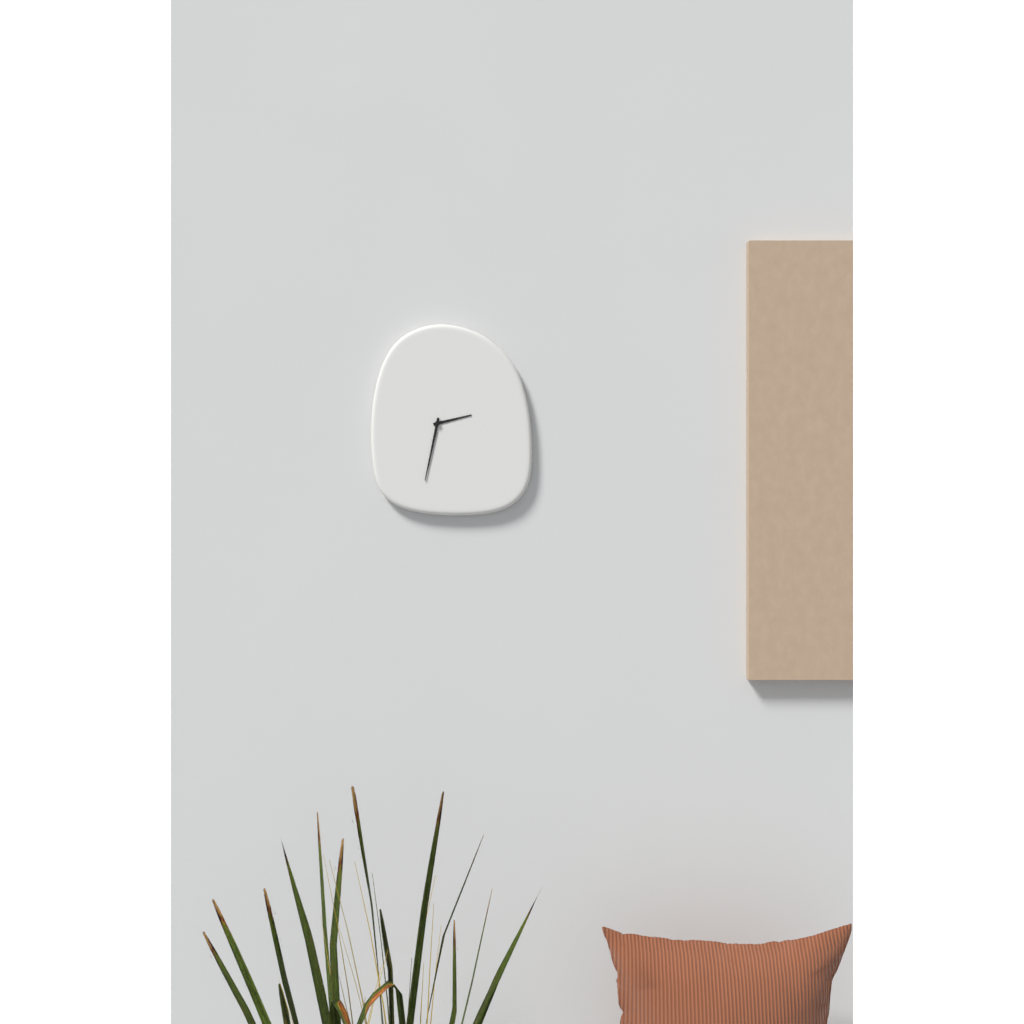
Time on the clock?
2:32
